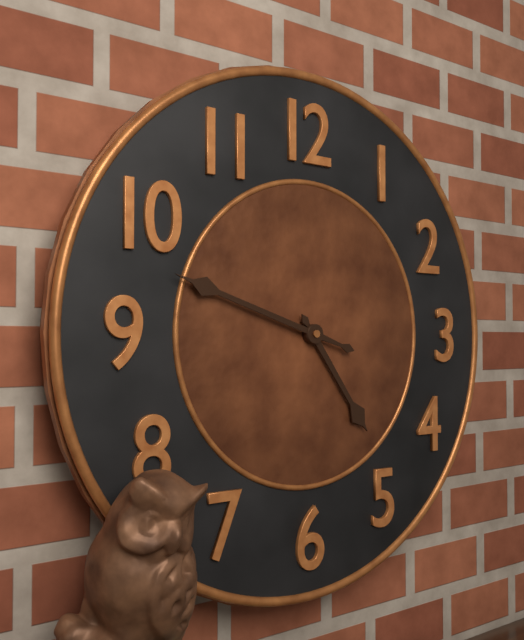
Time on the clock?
4:48
